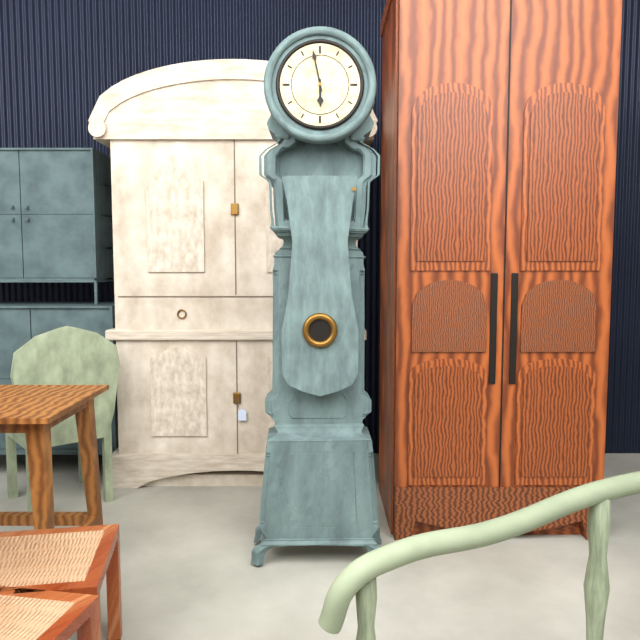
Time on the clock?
5:58
